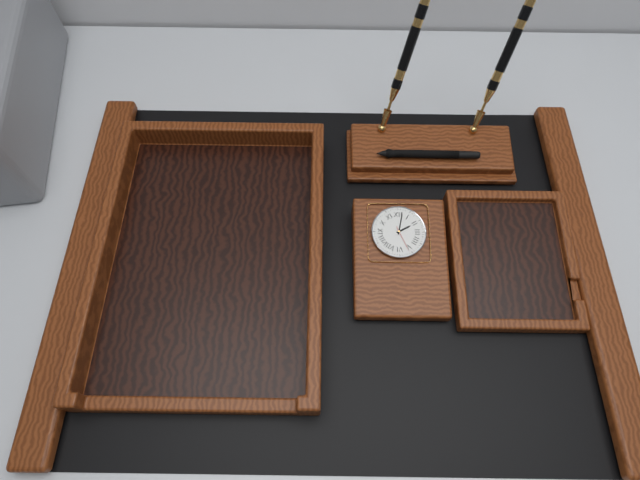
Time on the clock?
2:02
